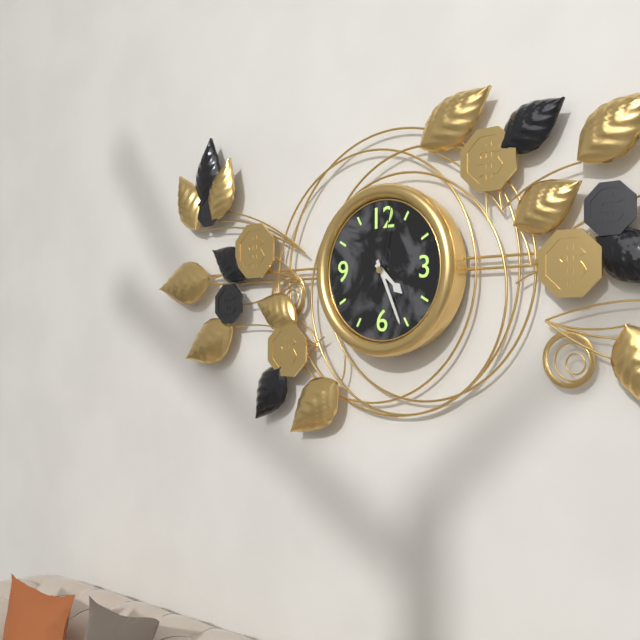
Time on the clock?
4:26:02
